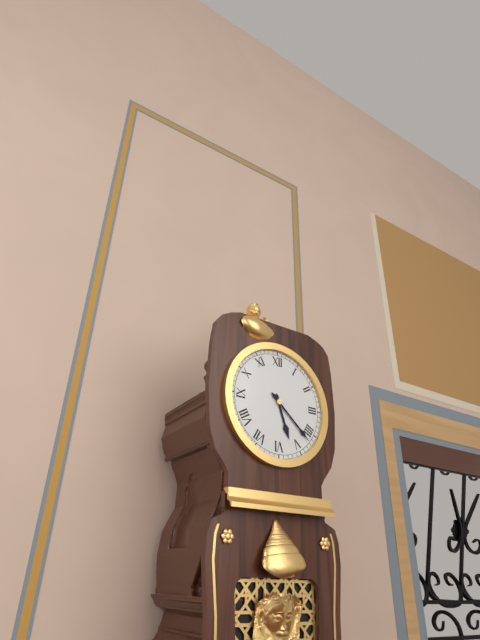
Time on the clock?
5:22
